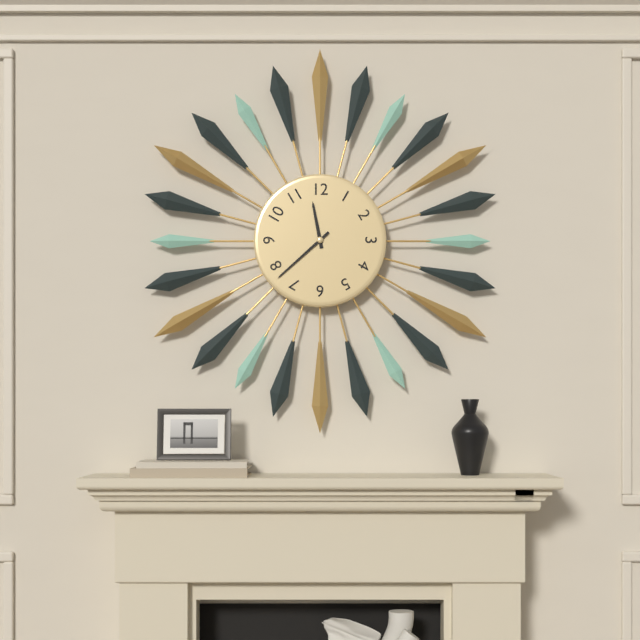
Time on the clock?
11:38
